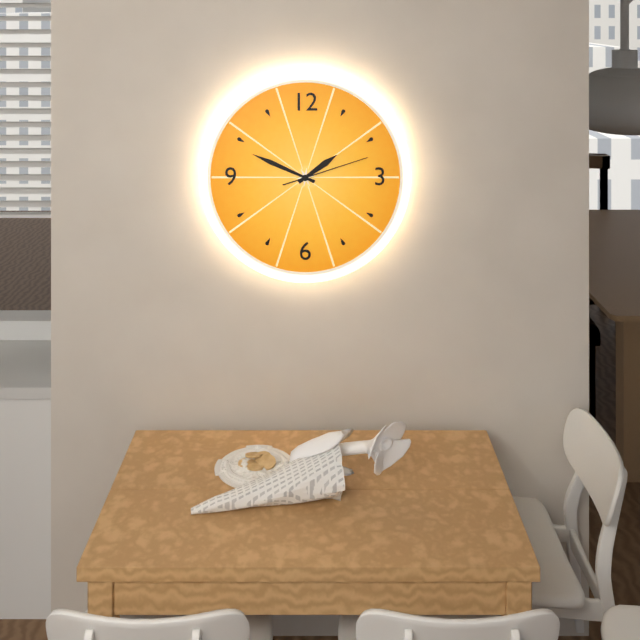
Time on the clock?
1:49:12
